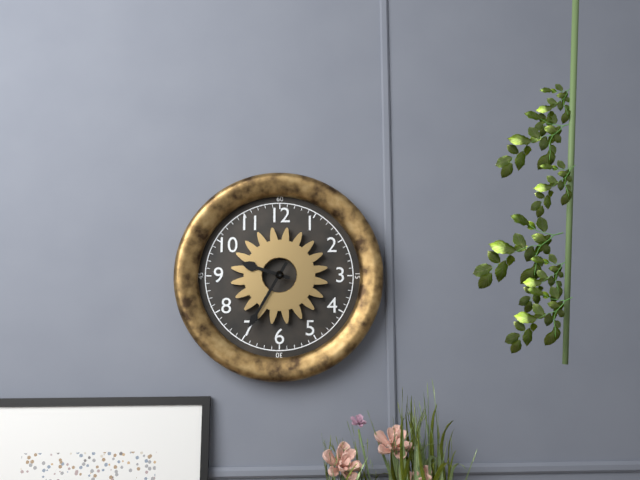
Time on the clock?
9:35
